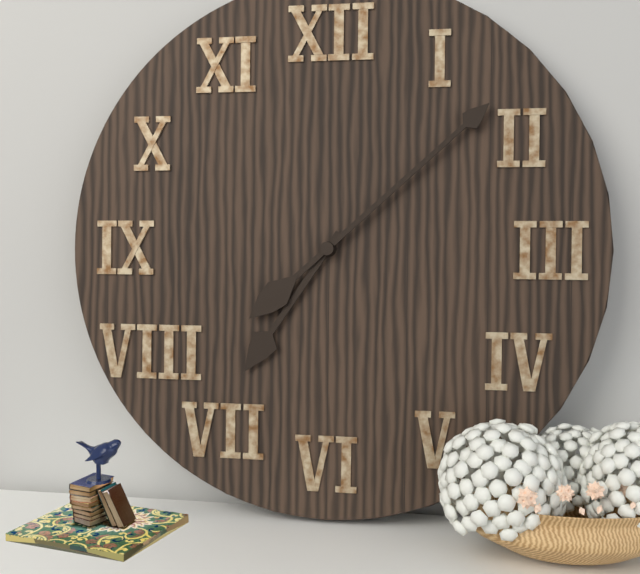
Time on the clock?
7:08
